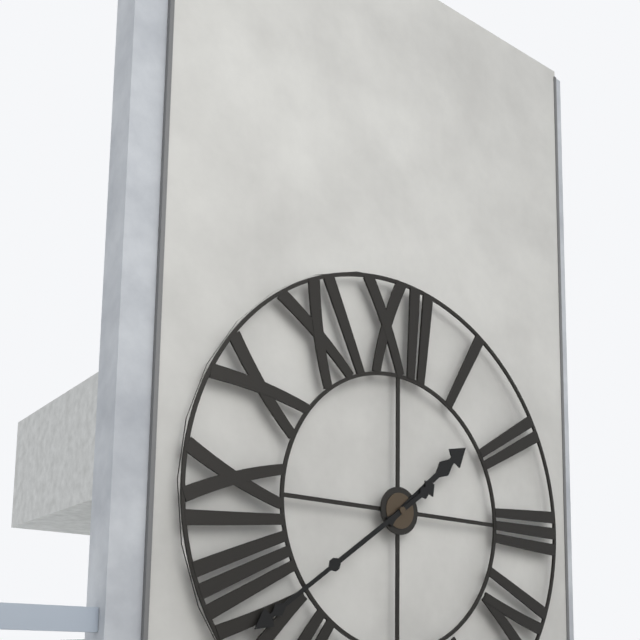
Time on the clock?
1:39
